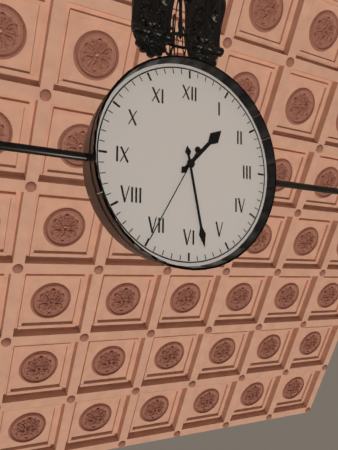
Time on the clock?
1:28:35
